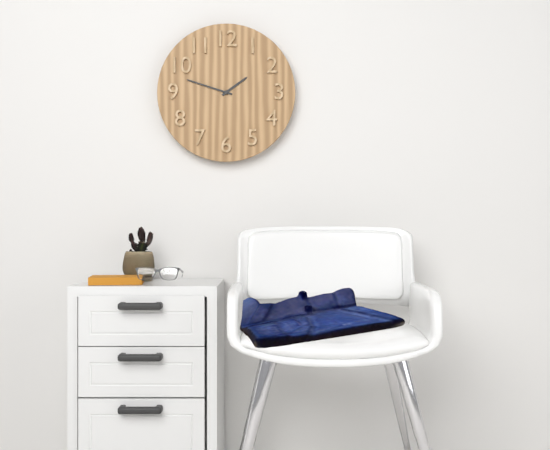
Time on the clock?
1:48
